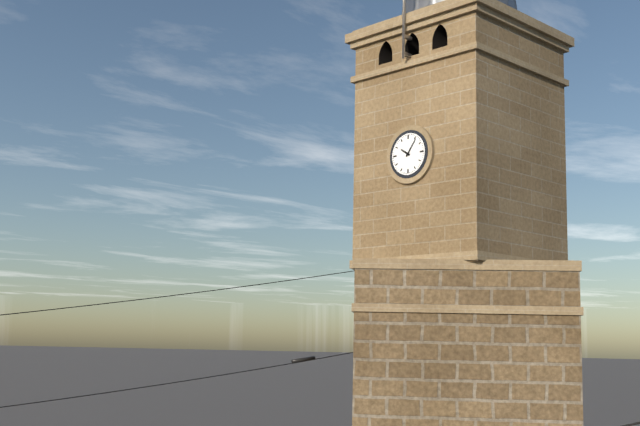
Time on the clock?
10:06
